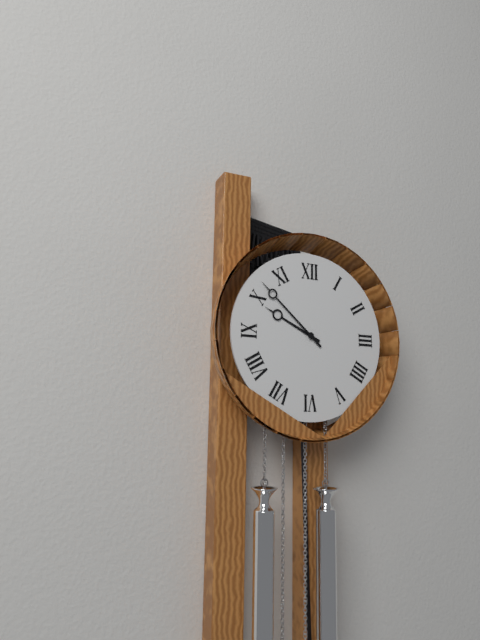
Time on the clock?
9:52
